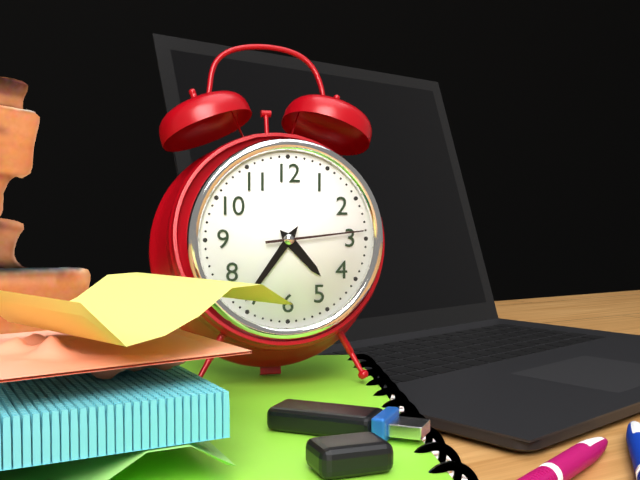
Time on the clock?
4:36:14
